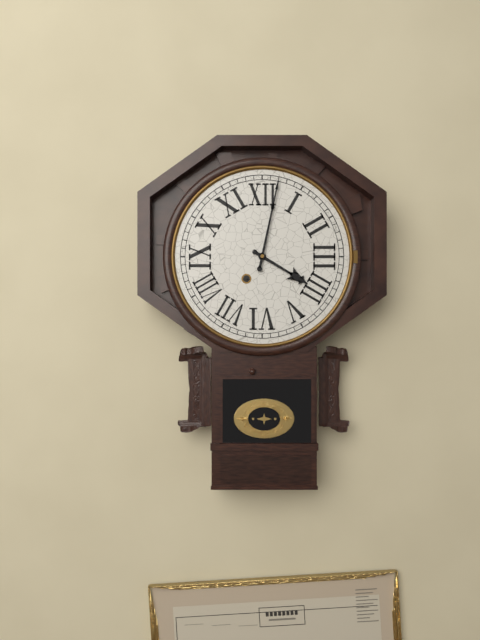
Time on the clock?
4:02
